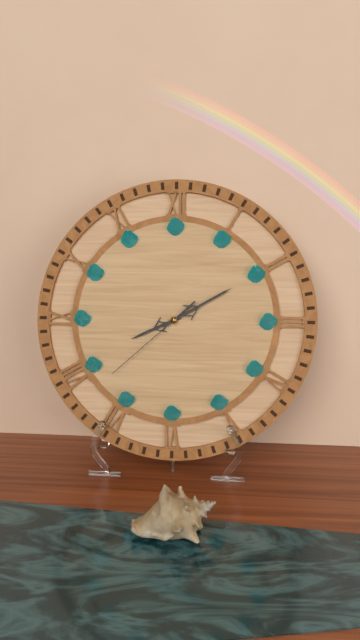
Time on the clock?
8:10:38
